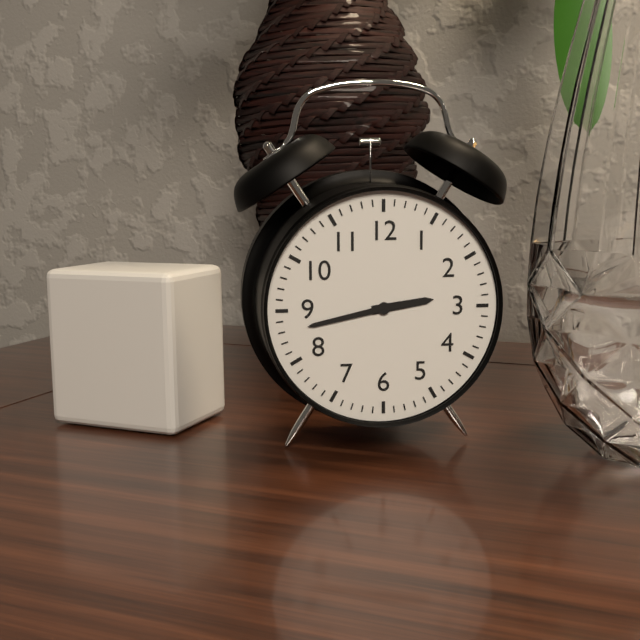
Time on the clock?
2:43
